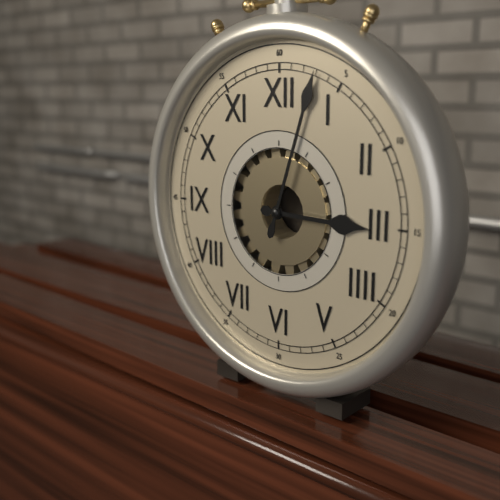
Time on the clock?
3:03
